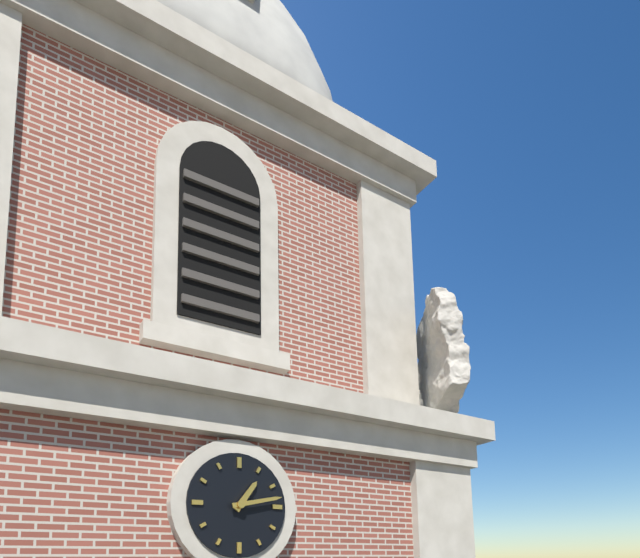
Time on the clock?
1:13
